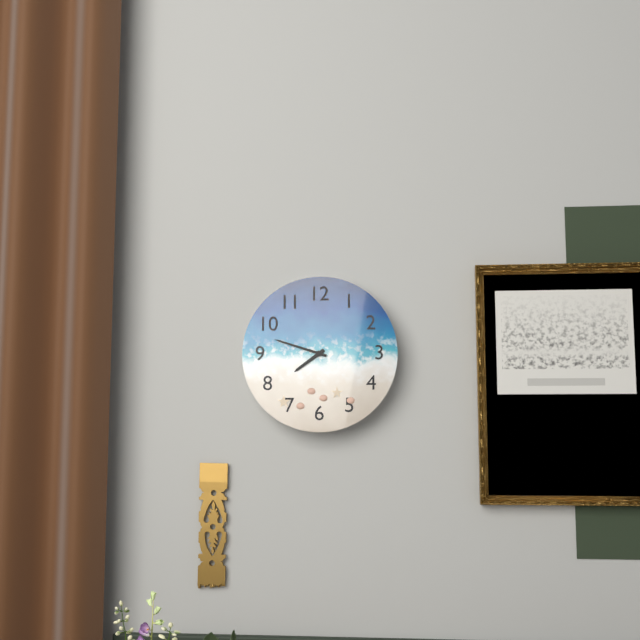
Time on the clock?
7:48
